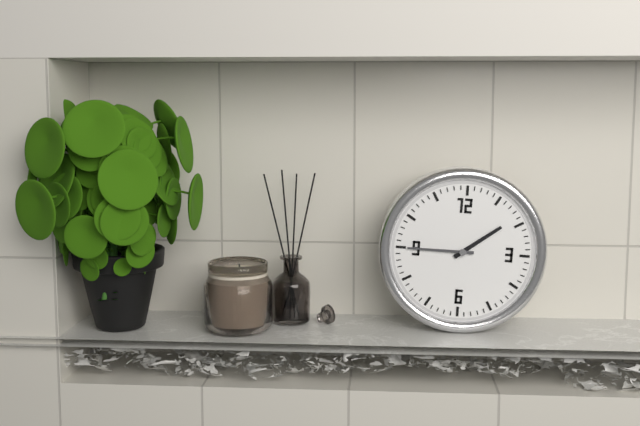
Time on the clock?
1:45
